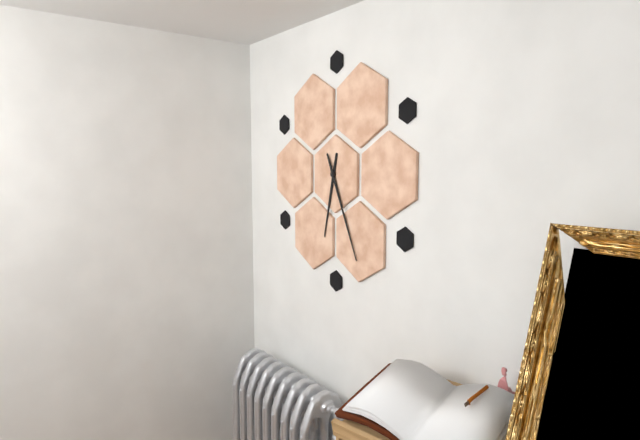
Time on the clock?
6:26
